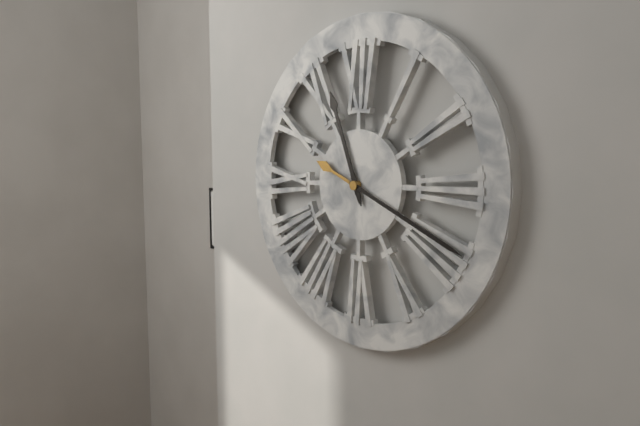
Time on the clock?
11:19
